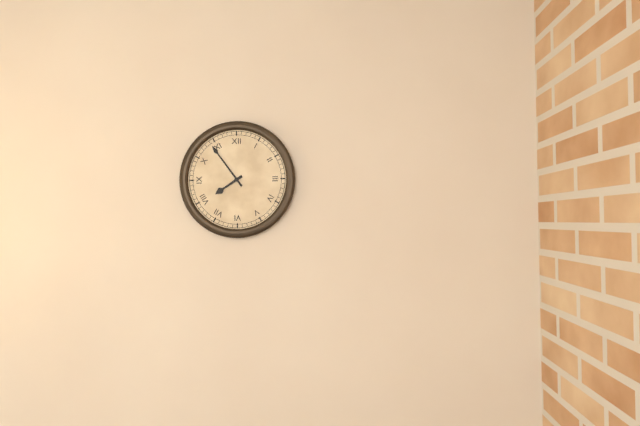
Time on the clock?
7:54
